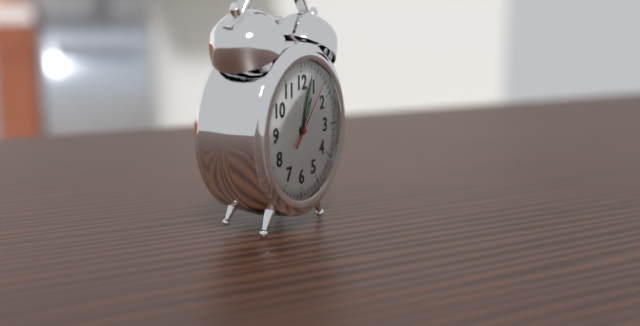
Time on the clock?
1:03:07
